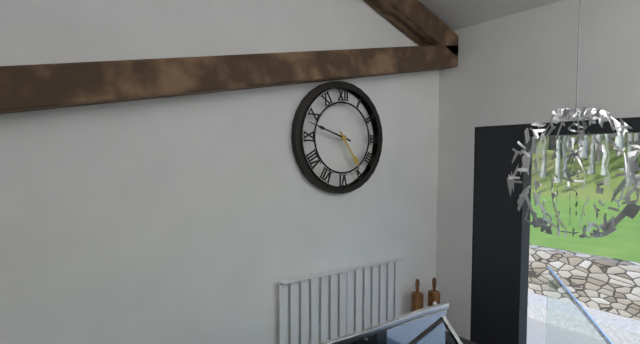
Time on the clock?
4:48
